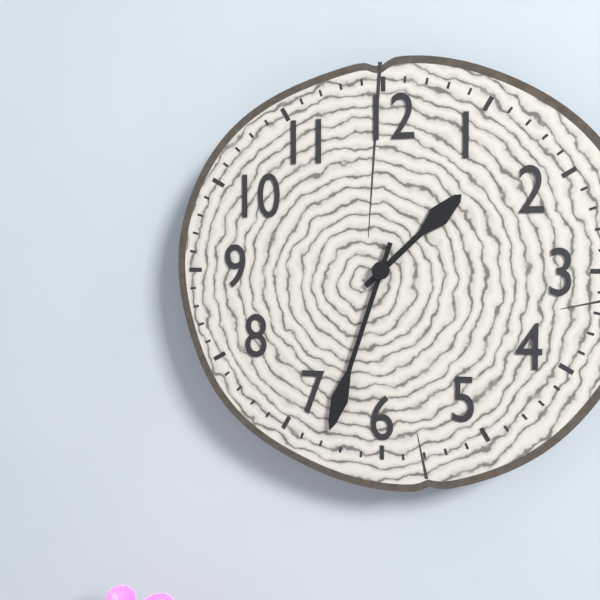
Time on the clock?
1:33
